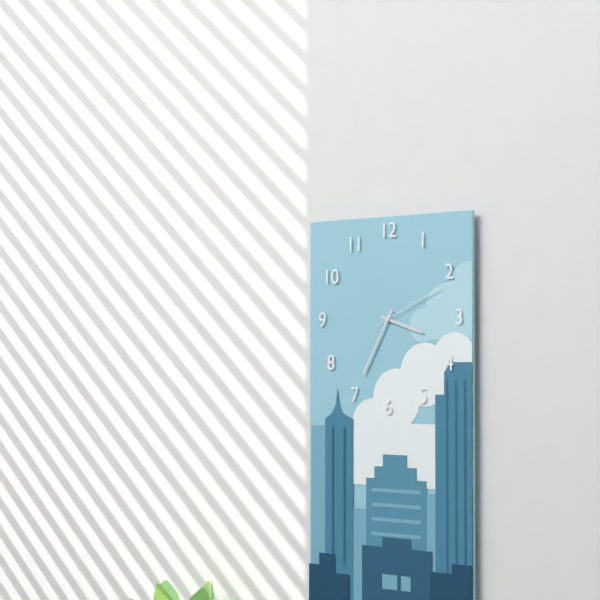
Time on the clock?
3:35:11
